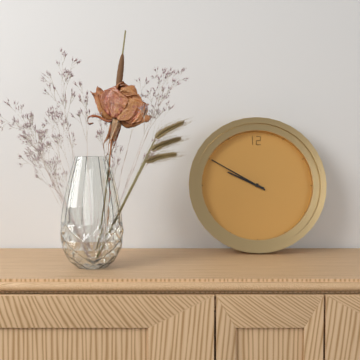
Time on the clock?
9:50
